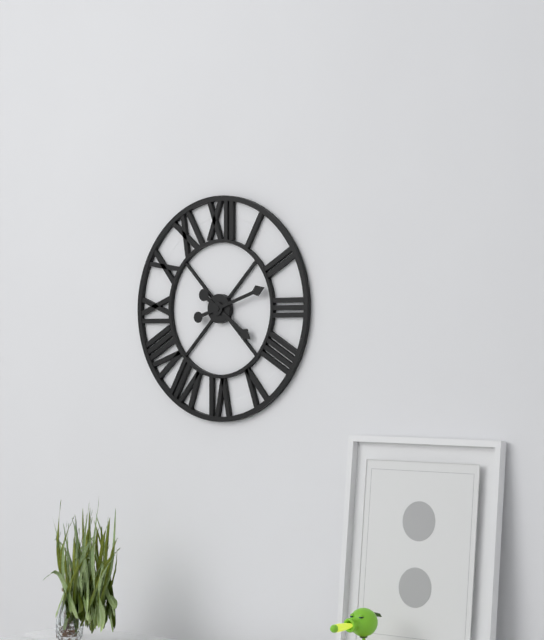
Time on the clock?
4:12
